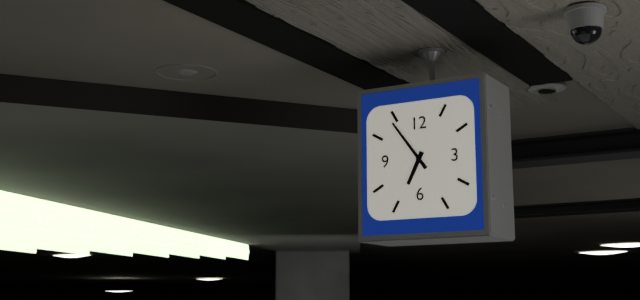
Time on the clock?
6:54
